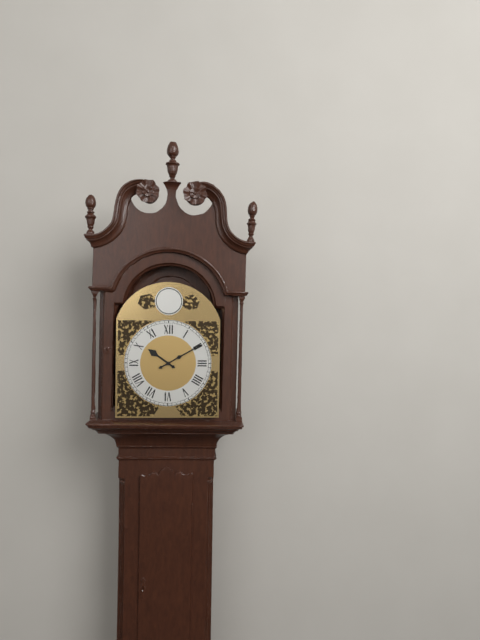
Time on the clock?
10:10
